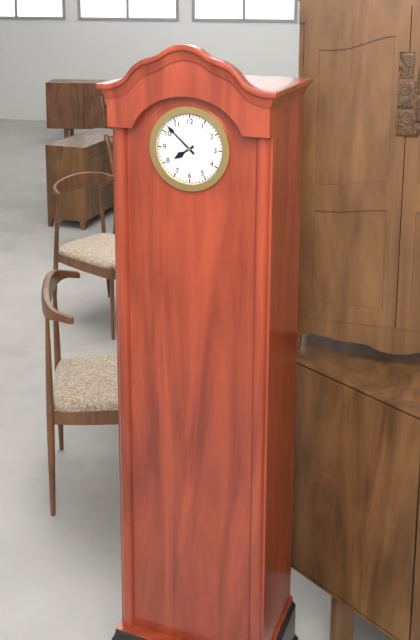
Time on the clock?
7:52
